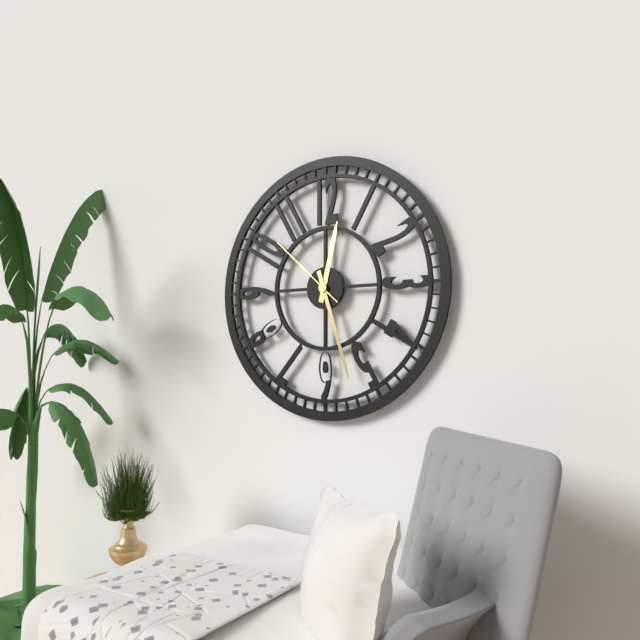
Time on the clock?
12:27:52
